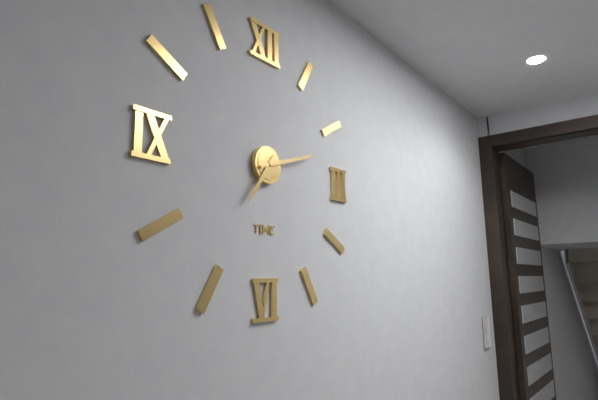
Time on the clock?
7:12
